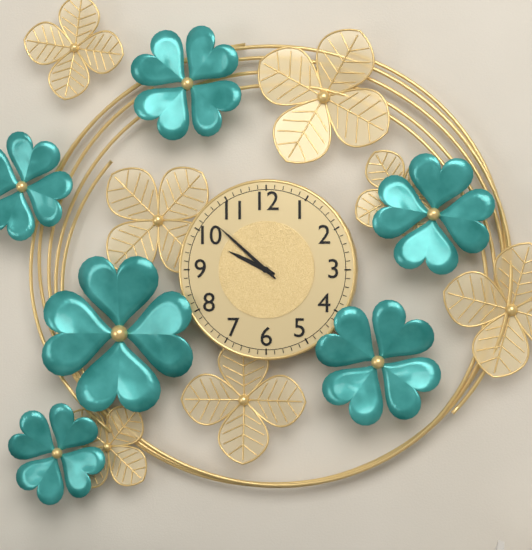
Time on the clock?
9:52
